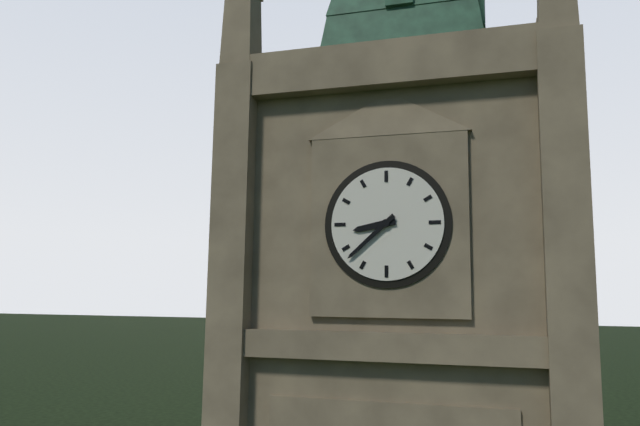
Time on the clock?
8:38
